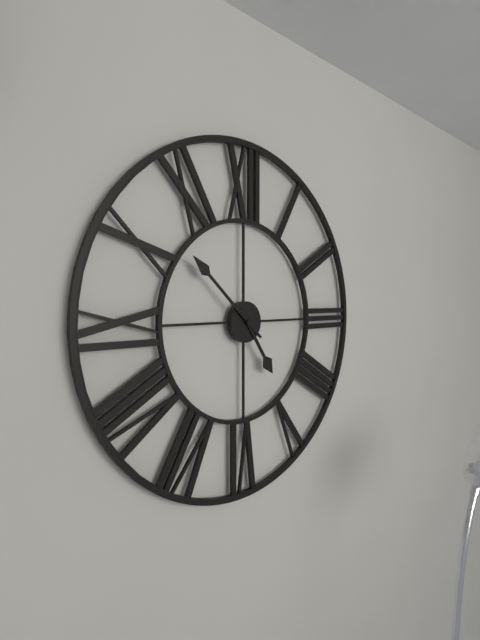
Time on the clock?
4:52
